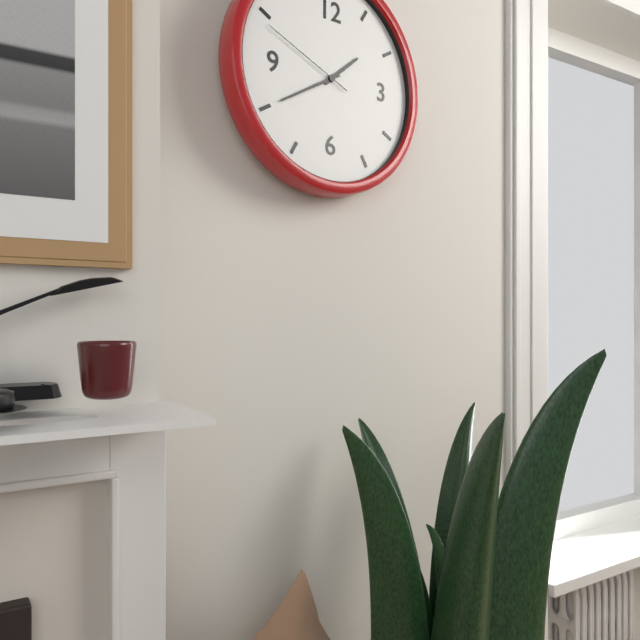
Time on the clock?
1:40:49
